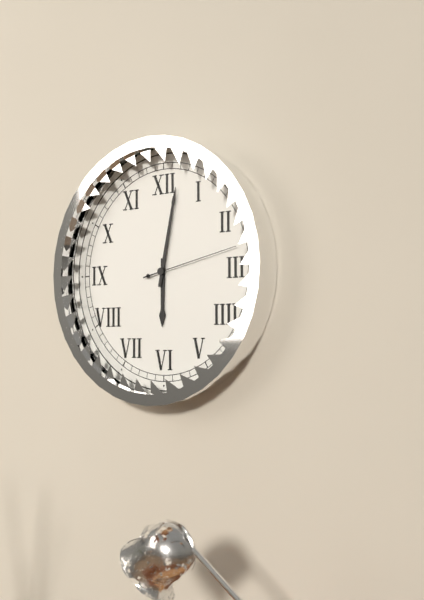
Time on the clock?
6:02:13
